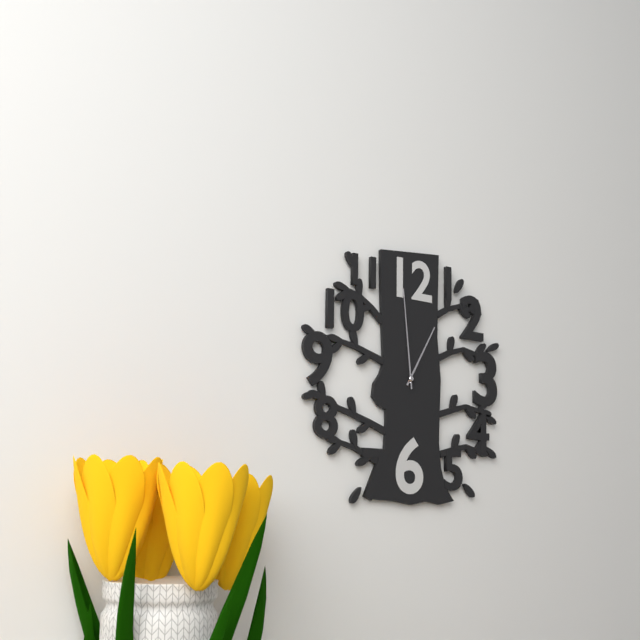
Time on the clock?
12:59
